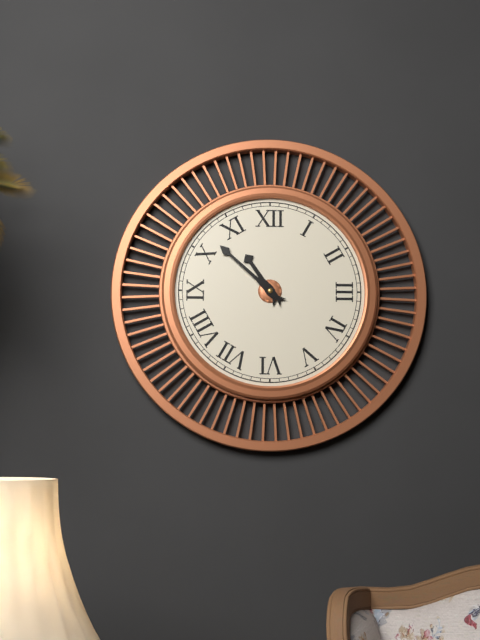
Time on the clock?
10:52
